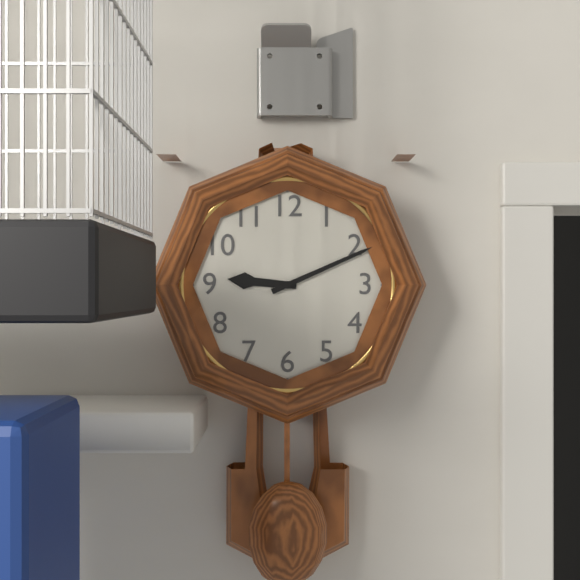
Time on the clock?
9:11
